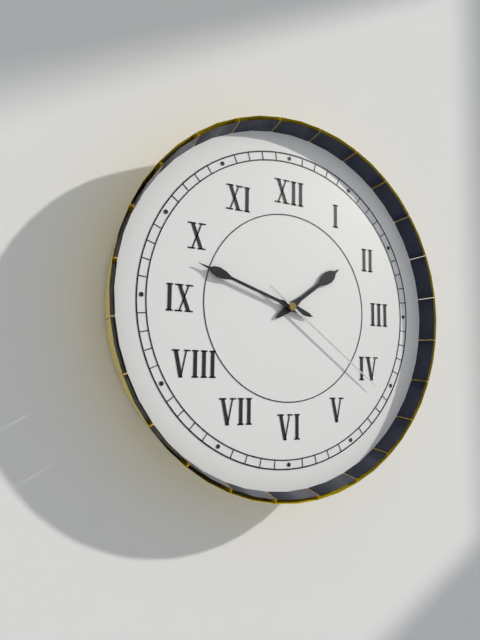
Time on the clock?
1:48:21
